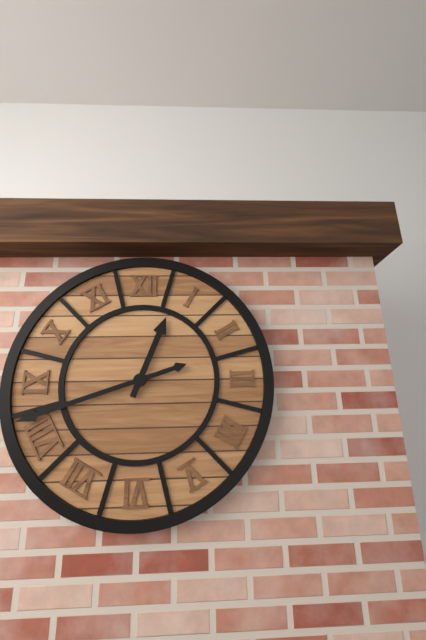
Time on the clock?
12:42
